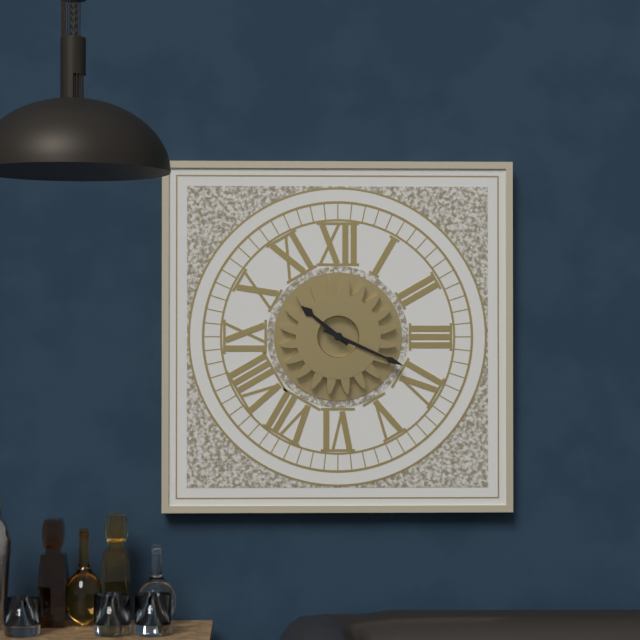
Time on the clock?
10:19
